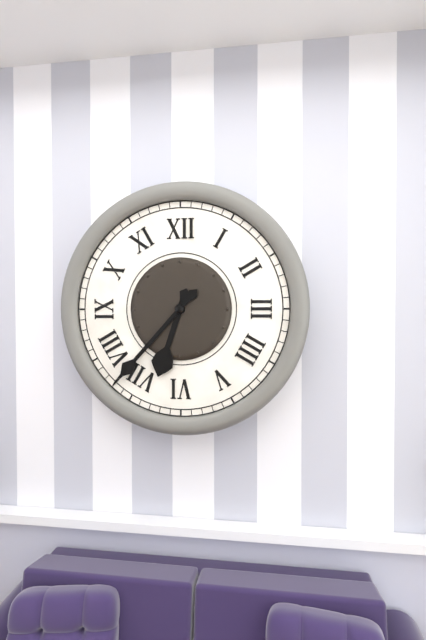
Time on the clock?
6:37
